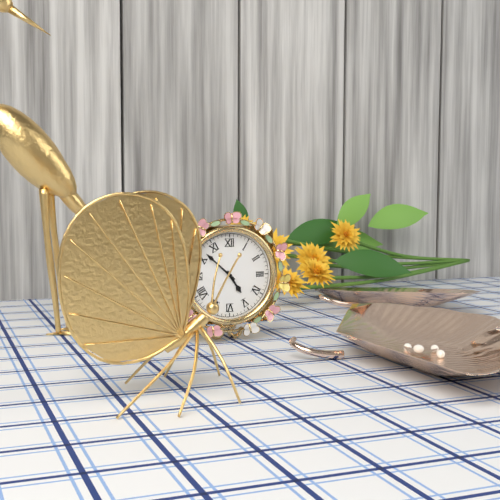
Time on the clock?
4:52
